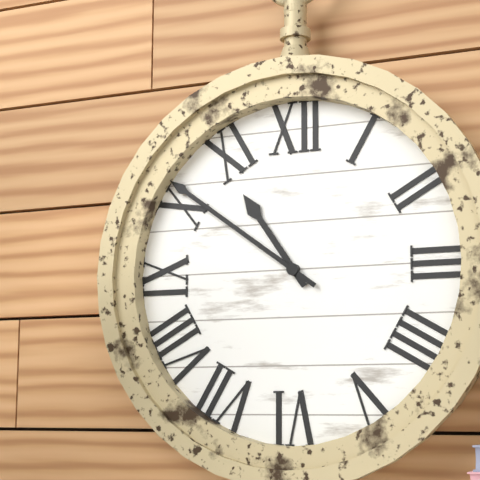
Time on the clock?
10:51
